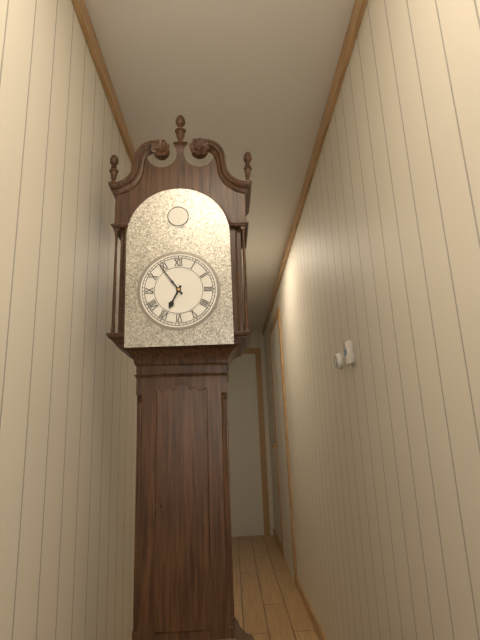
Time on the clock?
6:54
